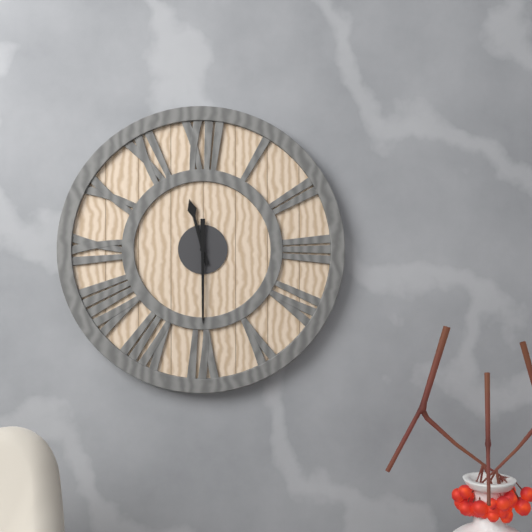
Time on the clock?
11:30
